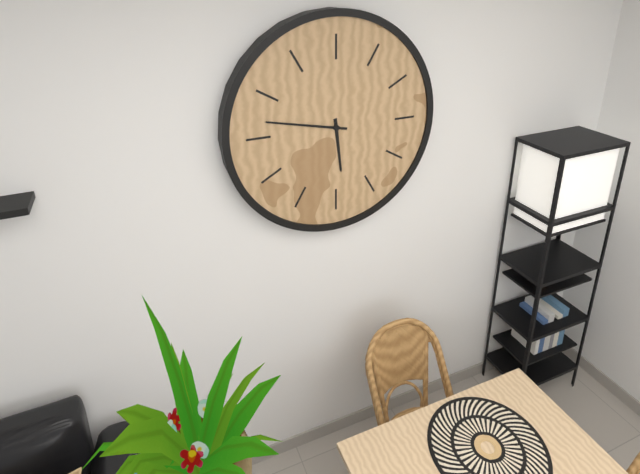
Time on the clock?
5:47
